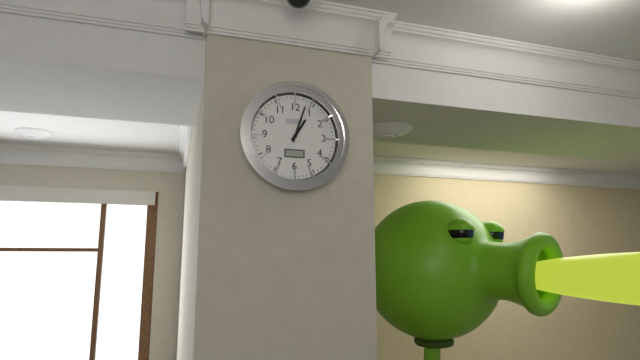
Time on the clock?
1:03
